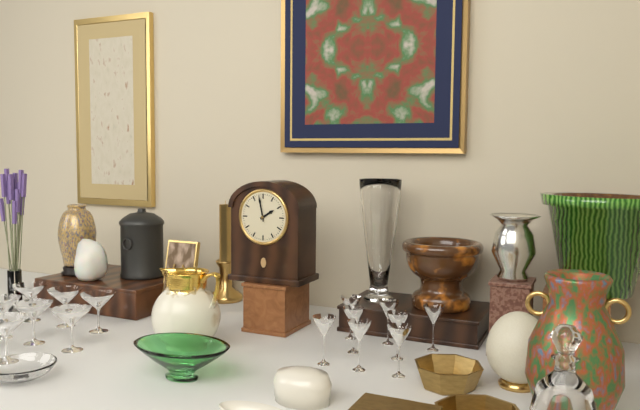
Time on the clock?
1:58
